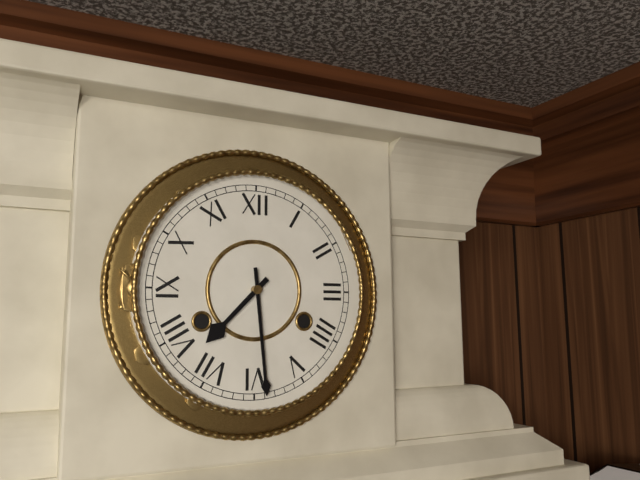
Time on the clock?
7:29
